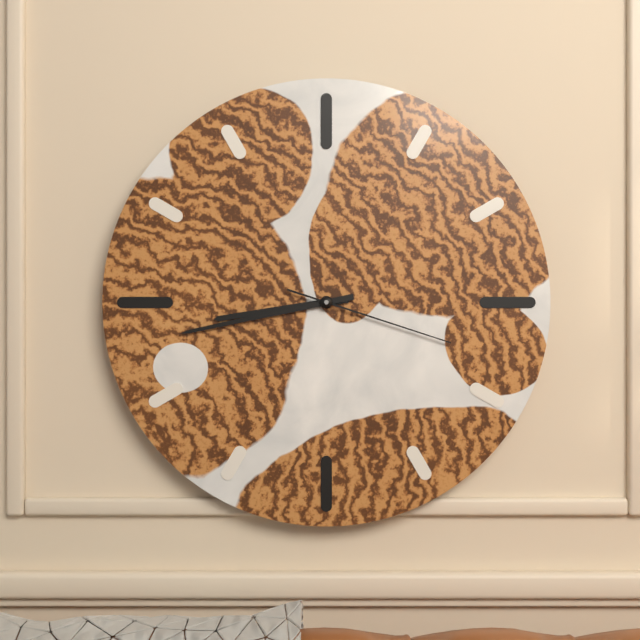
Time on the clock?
8:43:18
